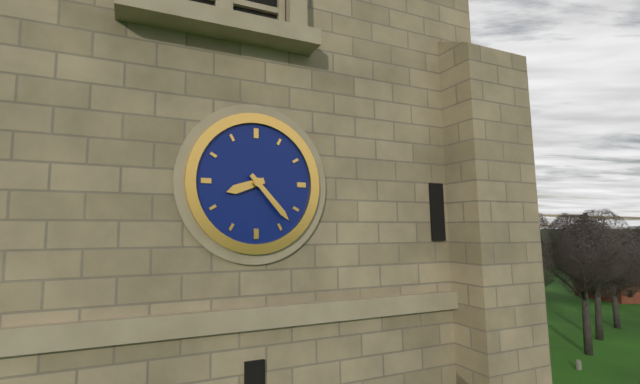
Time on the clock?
8:23
